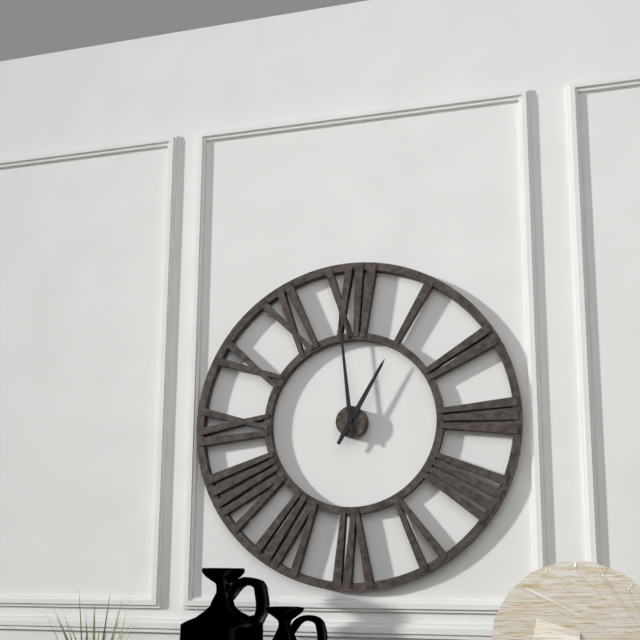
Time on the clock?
12:59
